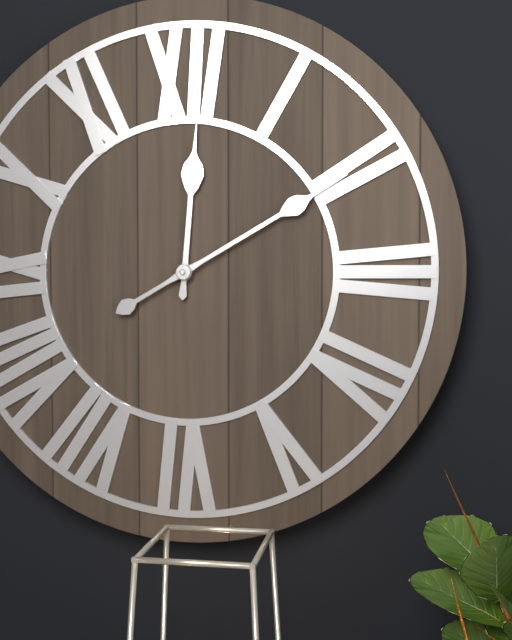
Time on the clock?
12:10
